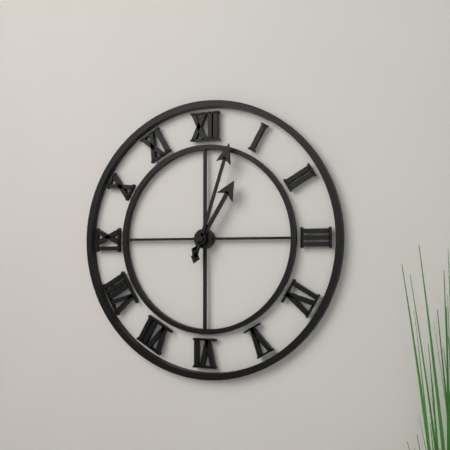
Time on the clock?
1:03
